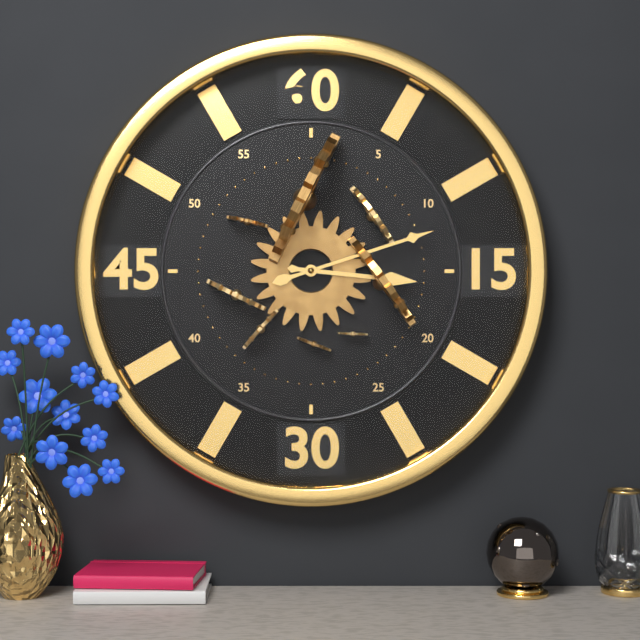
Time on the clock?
3:12
